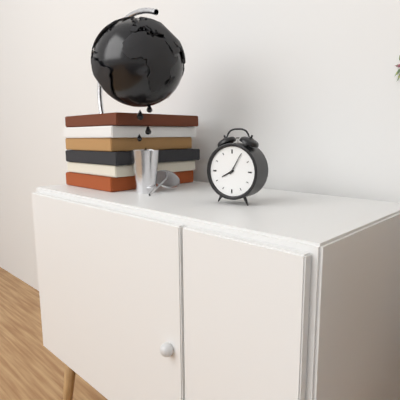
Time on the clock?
8:05
